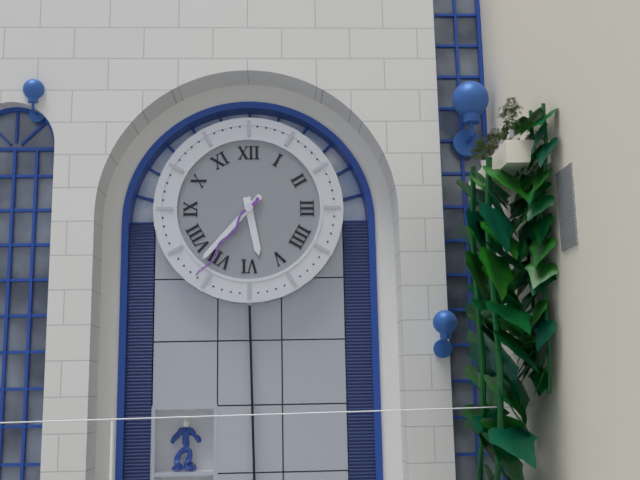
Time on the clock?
5:37:36
